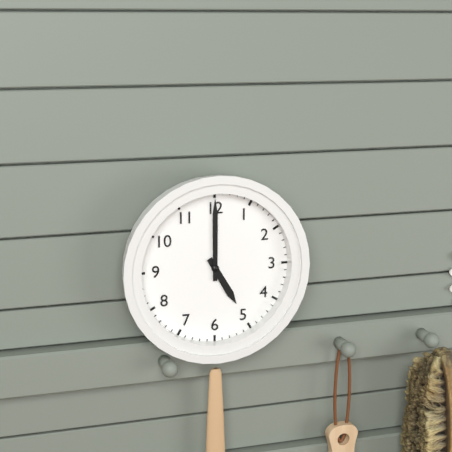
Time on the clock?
5:00
